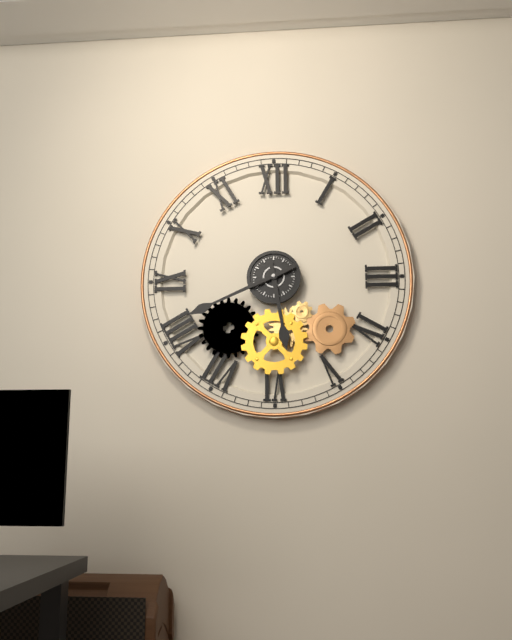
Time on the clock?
5:41
